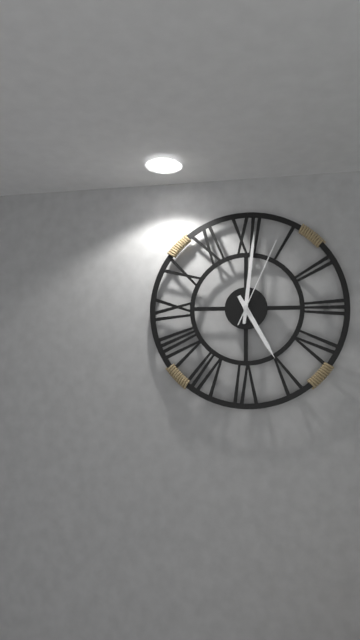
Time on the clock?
5:01:04
